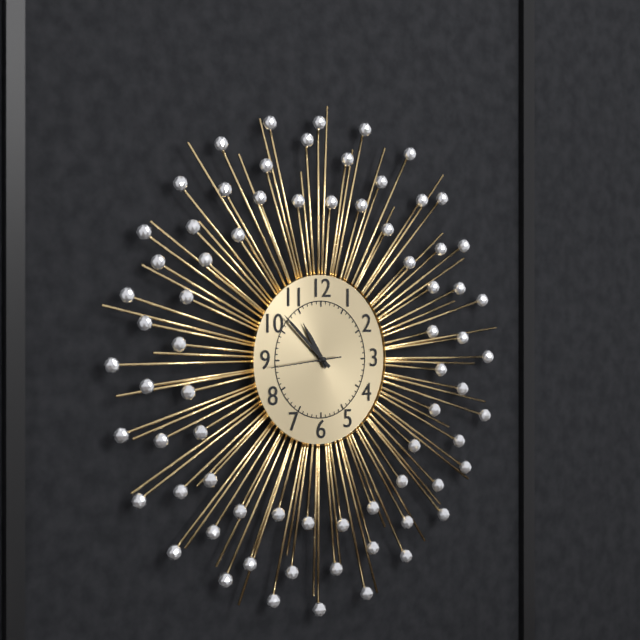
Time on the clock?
10:52:44
